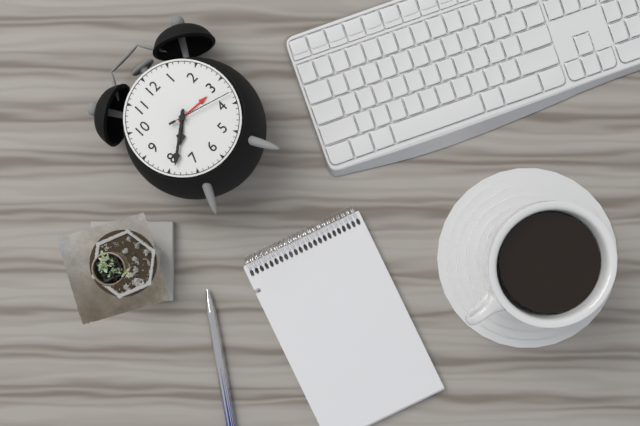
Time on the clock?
7:39:18
